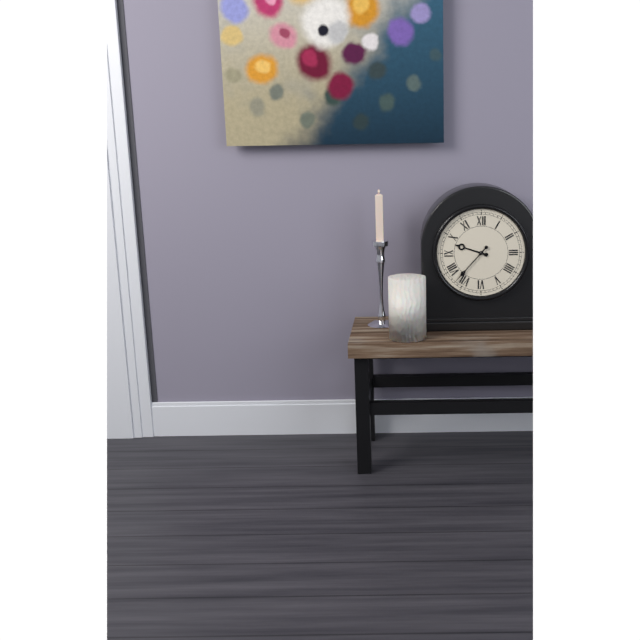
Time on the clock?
9:37
